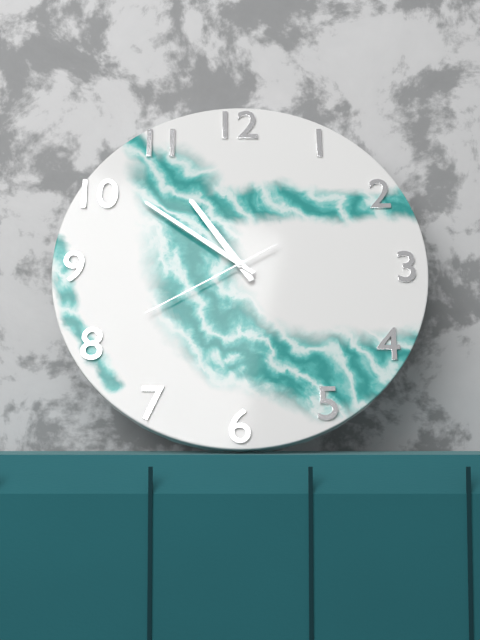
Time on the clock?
10:51:40
